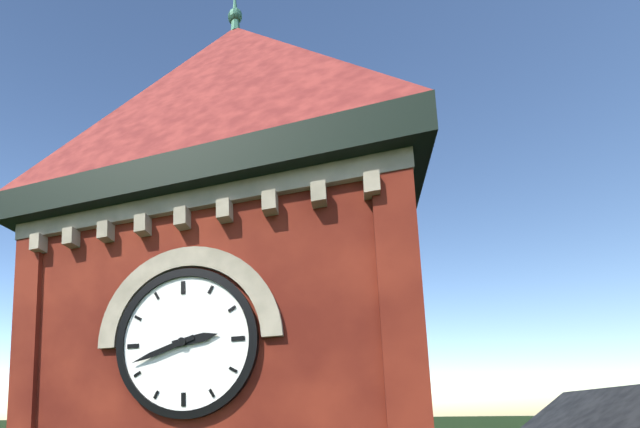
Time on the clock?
2:42
